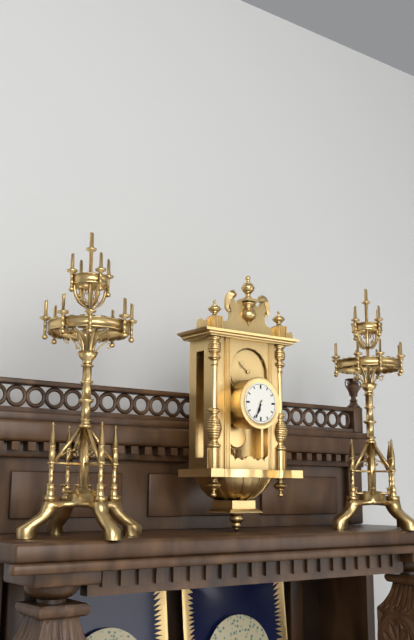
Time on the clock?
6:34
